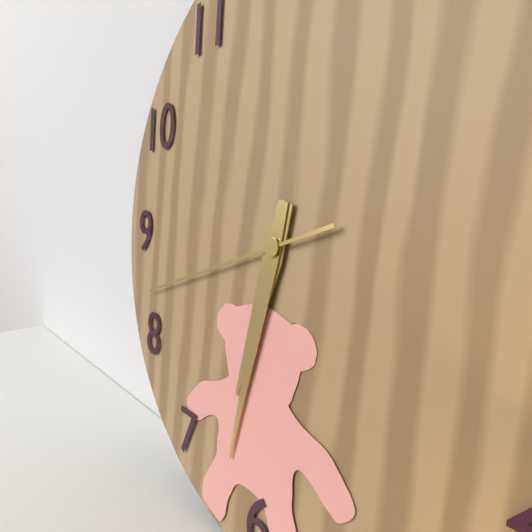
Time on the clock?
6:32:42
